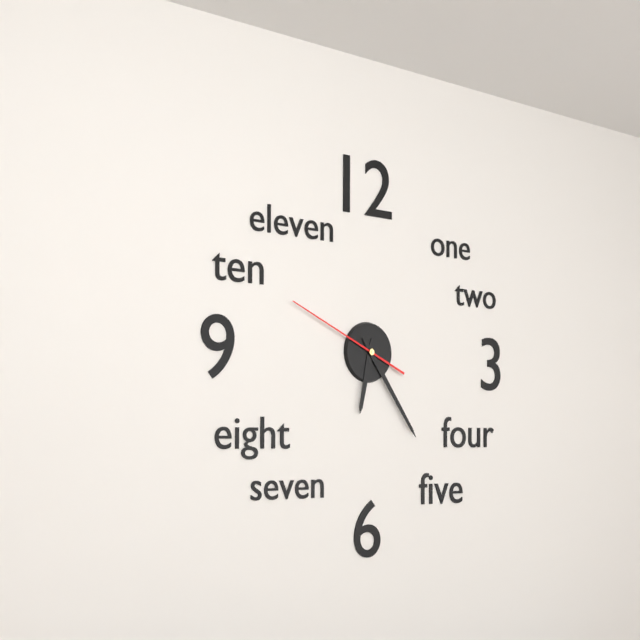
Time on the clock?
6:24:49
